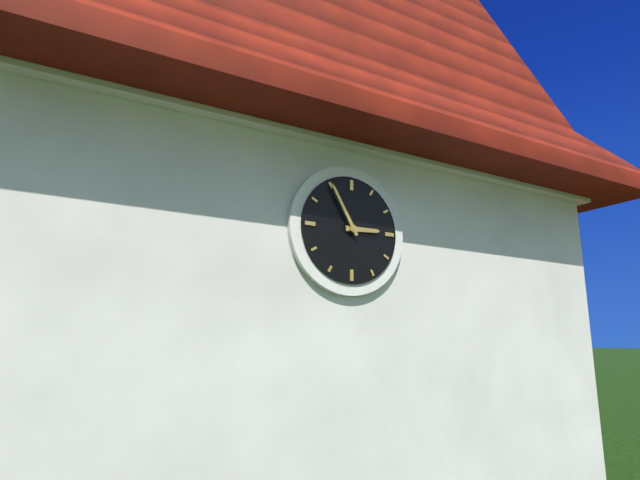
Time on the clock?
2:55
